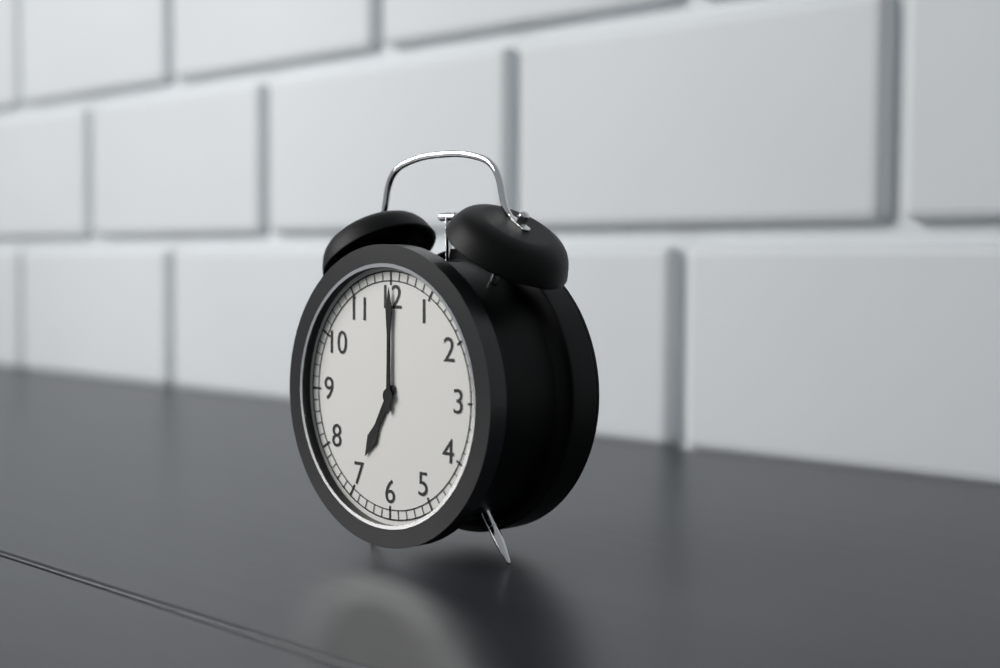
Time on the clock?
7:00
